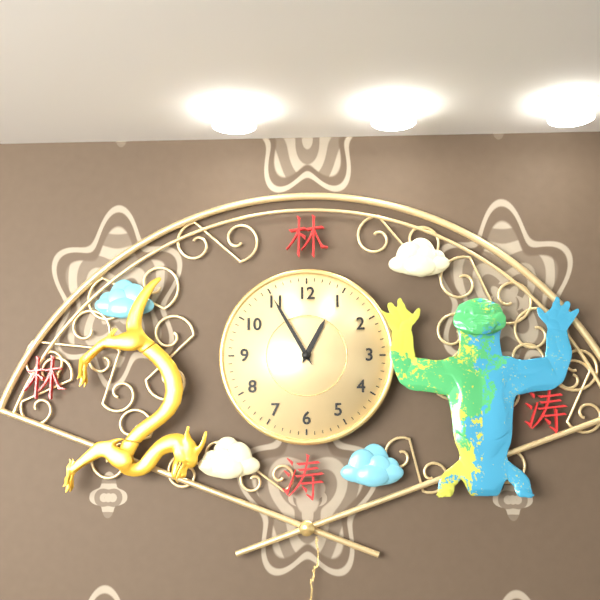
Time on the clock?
12:55
